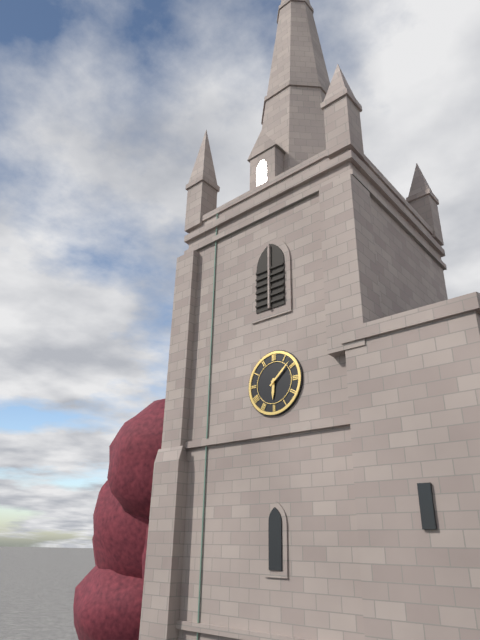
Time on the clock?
6:08
